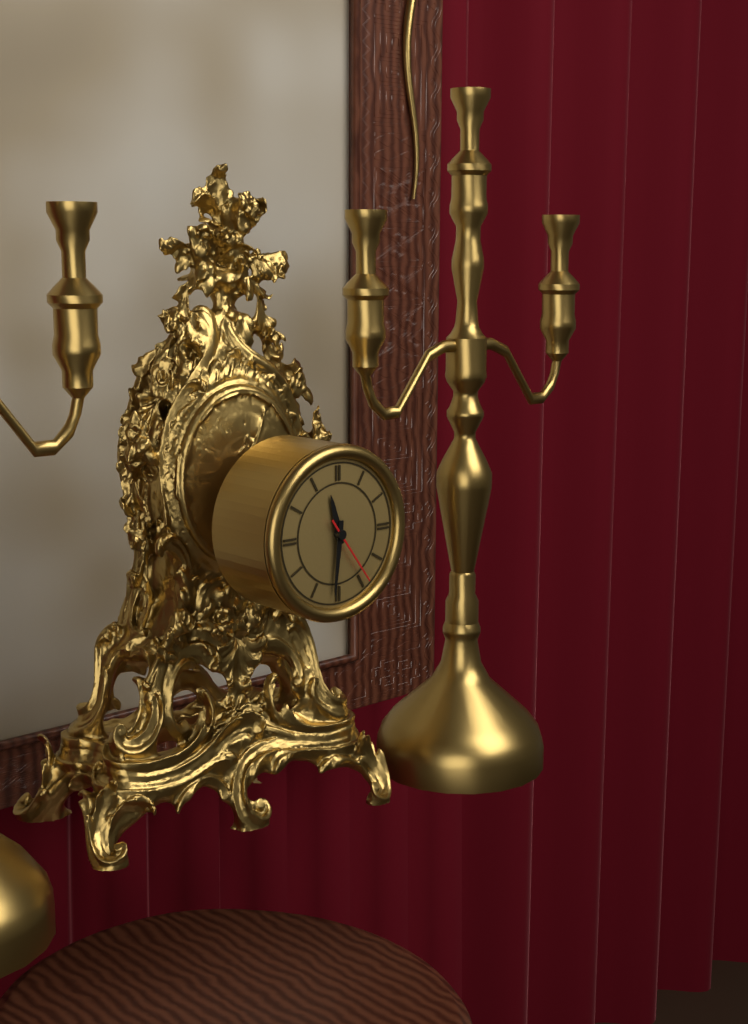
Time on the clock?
11:31:24
